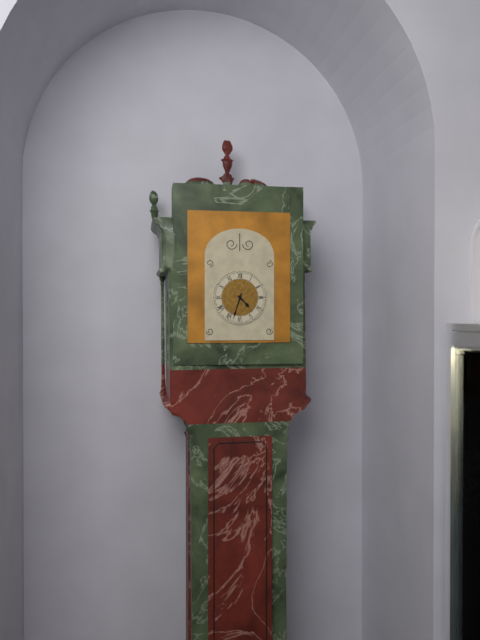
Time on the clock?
4:33
